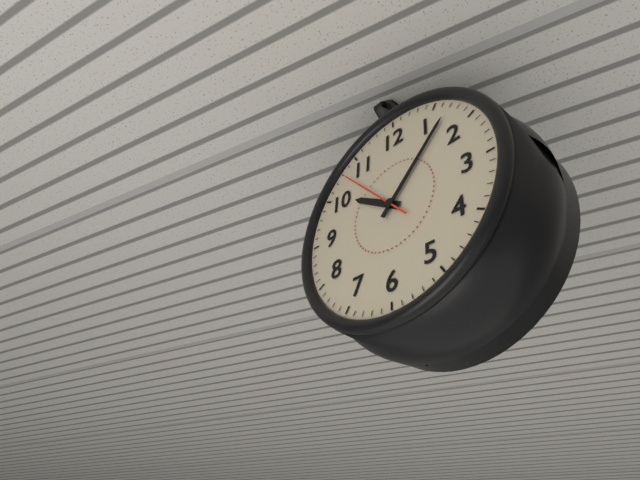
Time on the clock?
10:07:53
